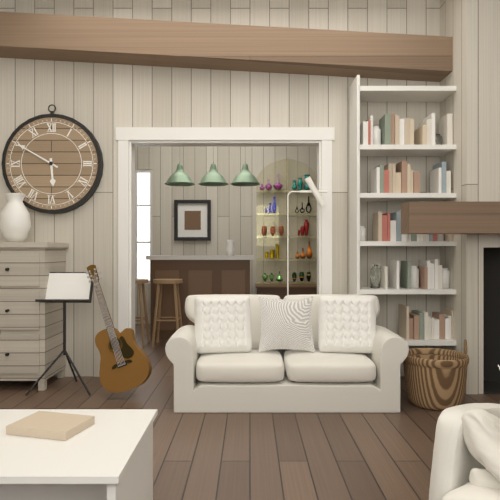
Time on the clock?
5:50
